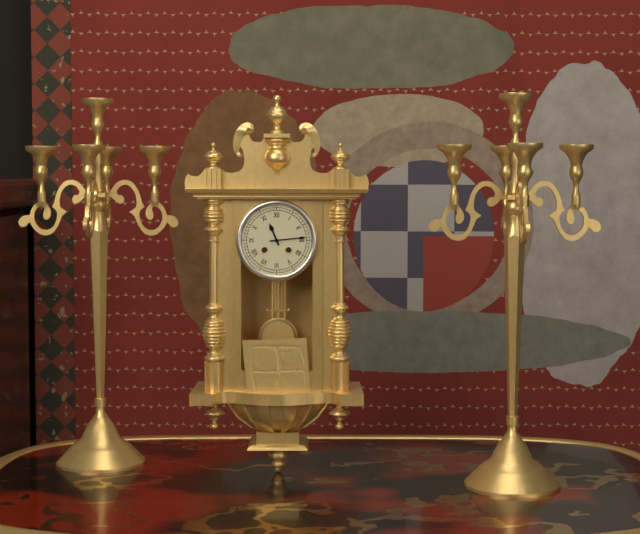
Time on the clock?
11:14
